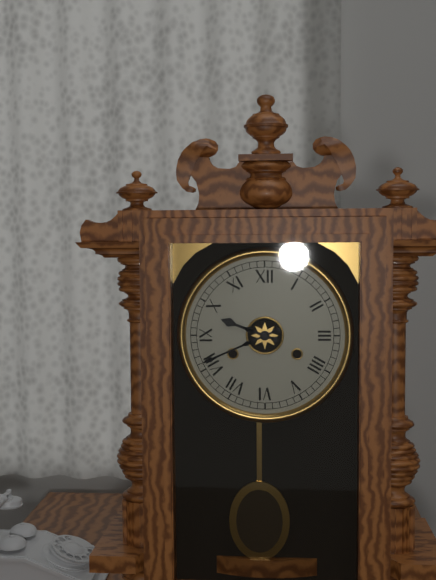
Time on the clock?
9:41
